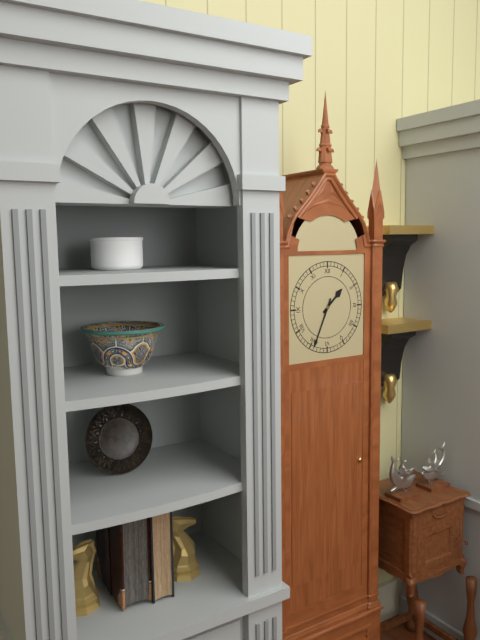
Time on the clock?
1:34
